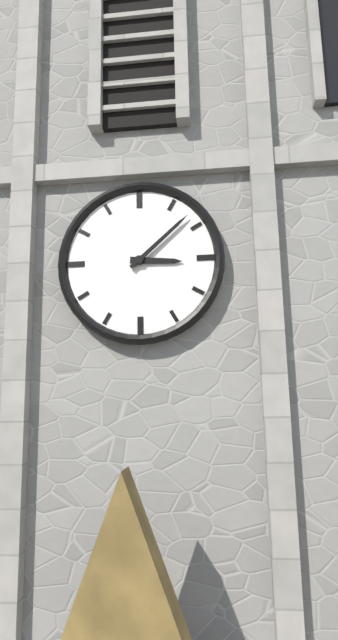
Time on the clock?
3:08
